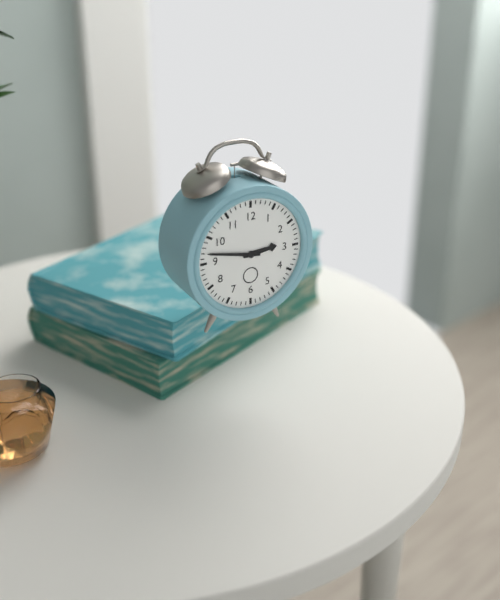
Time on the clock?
2:47
